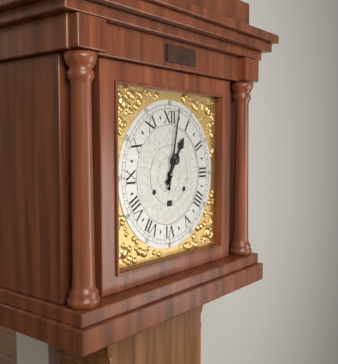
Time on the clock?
1:02
